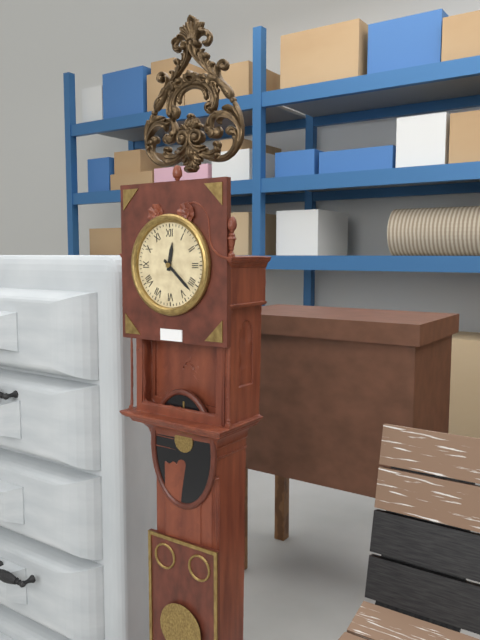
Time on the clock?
12:22
